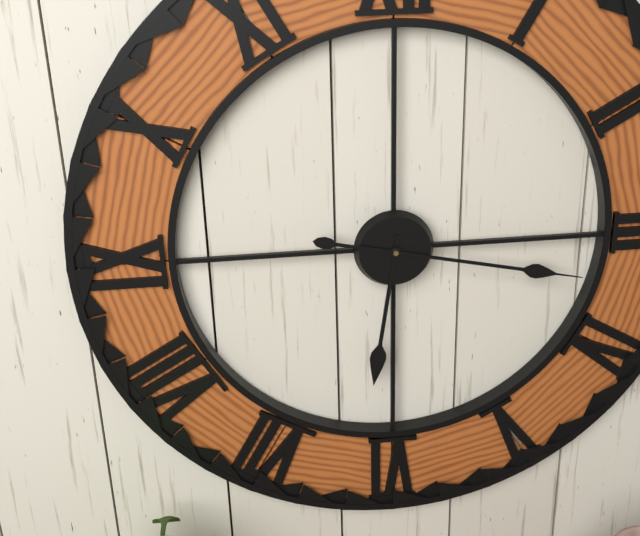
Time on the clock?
6:17
